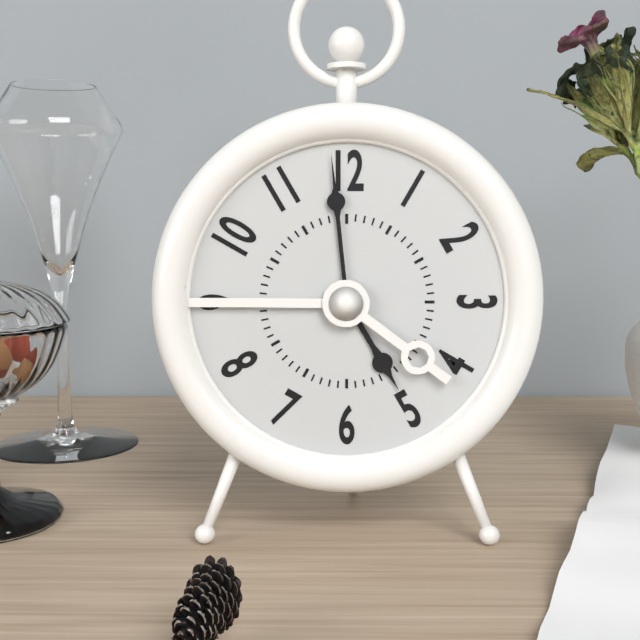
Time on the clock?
4:59
